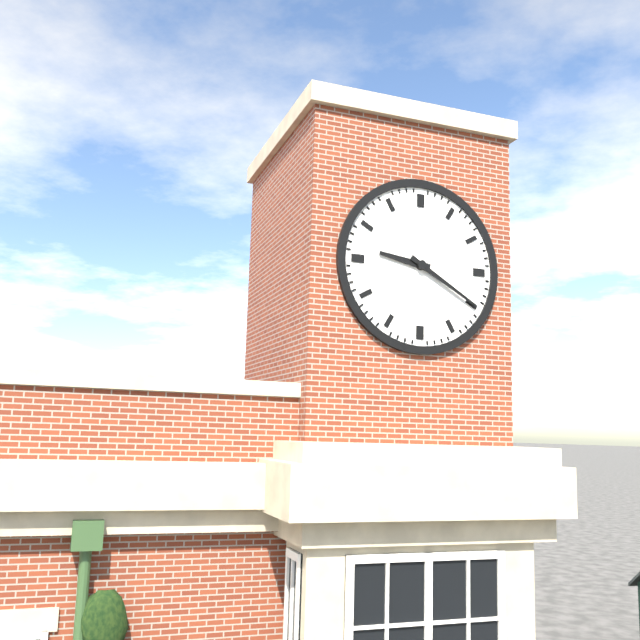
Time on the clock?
9:20
